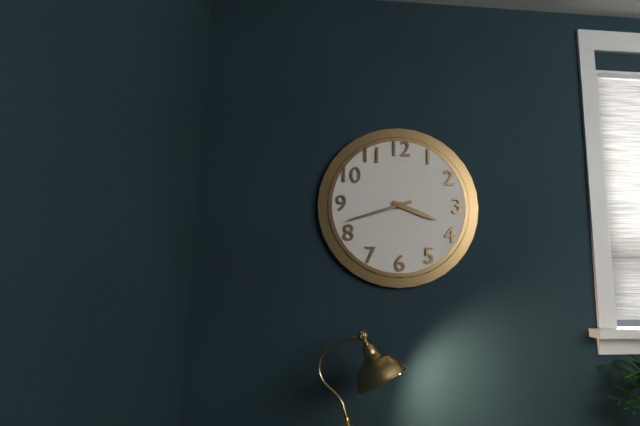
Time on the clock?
3:42
